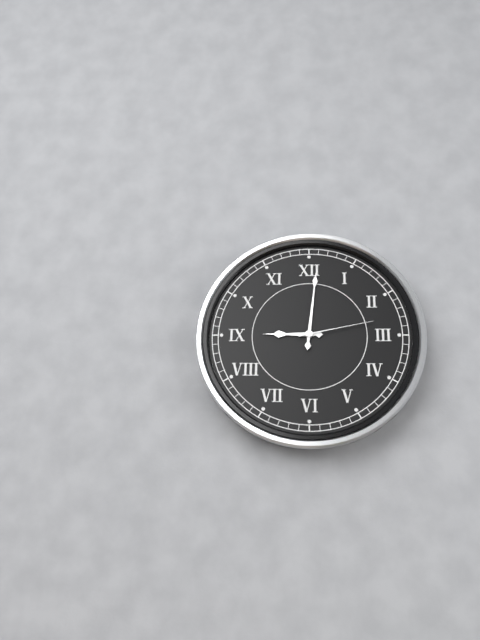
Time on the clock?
9:01:13
